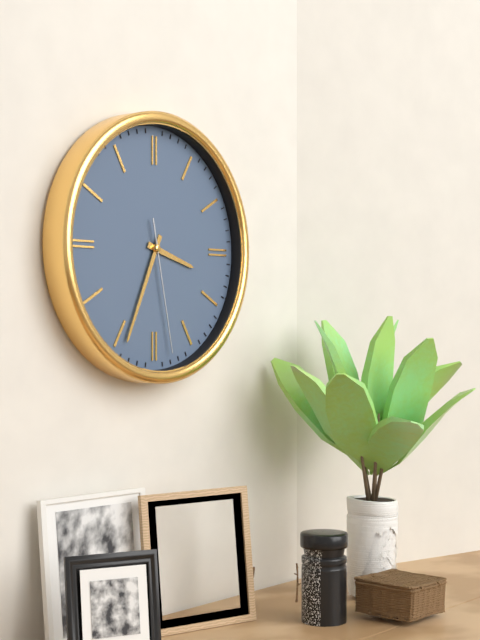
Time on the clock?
3:34:28
